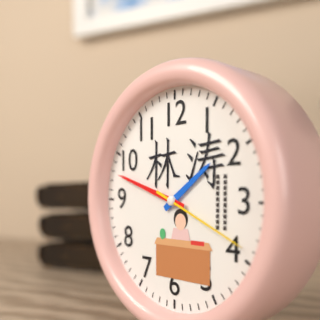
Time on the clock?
1:48:19
